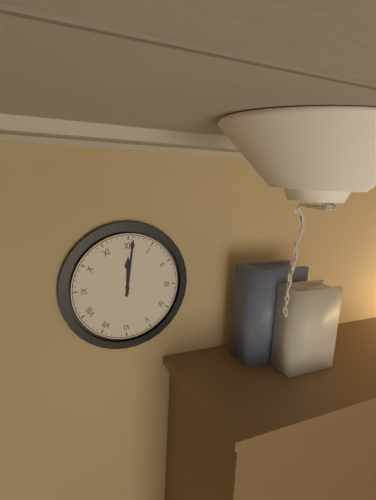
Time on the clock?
12:01
